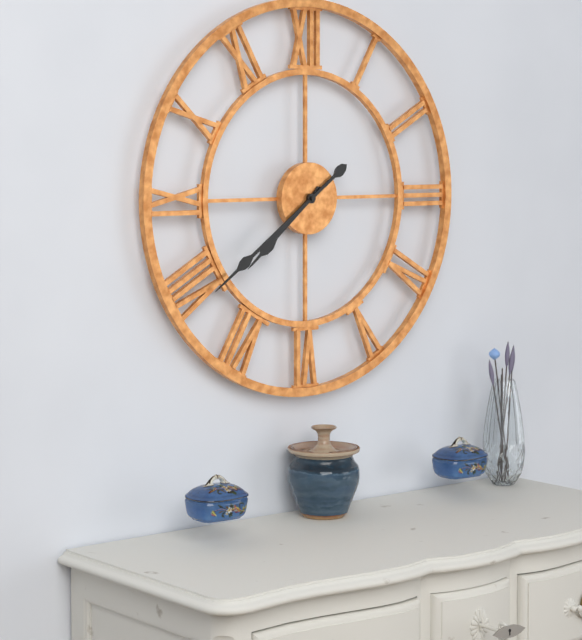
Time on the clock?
7:39
